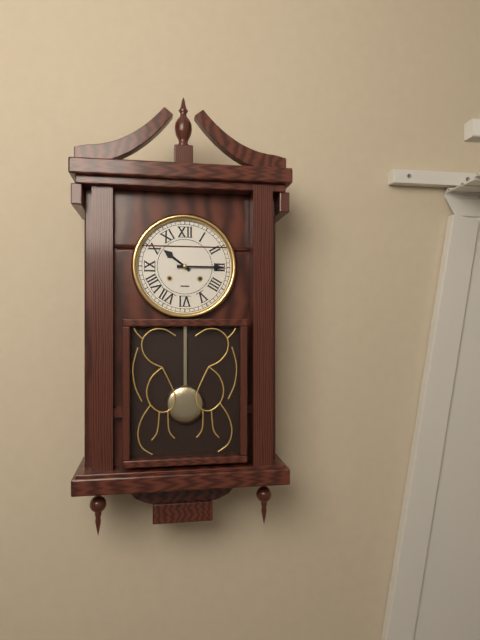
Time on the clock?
10:15
